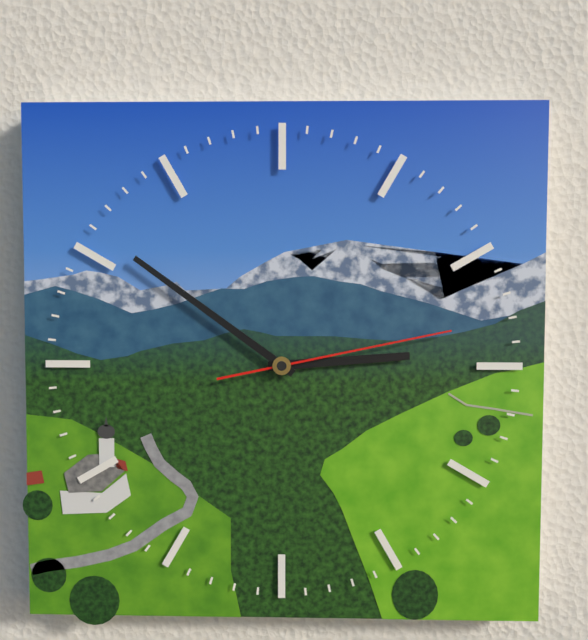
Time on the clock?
2:51:13
